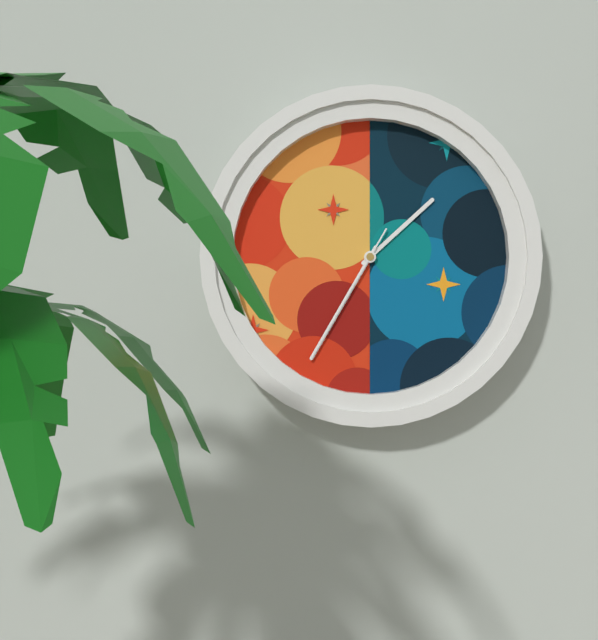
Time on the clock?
1:35:35
